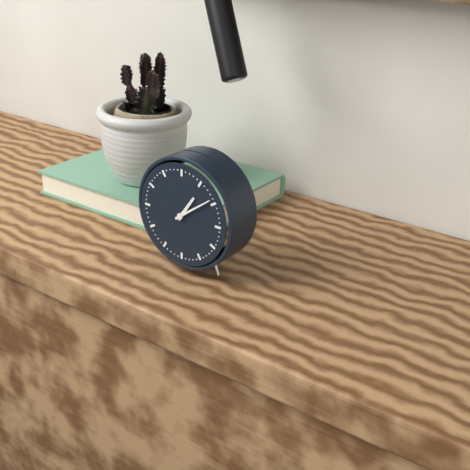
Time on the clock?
1:09
